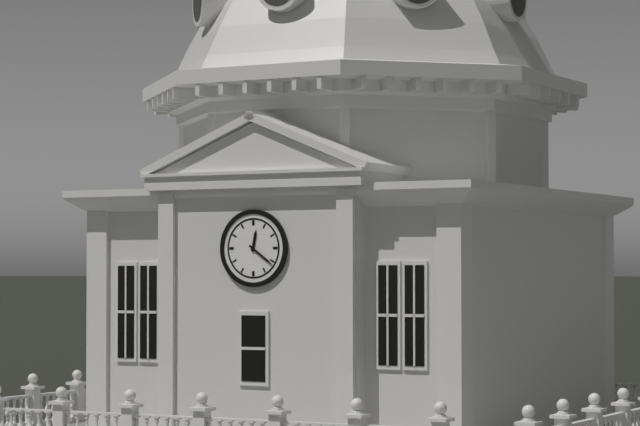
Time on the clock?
12:21
